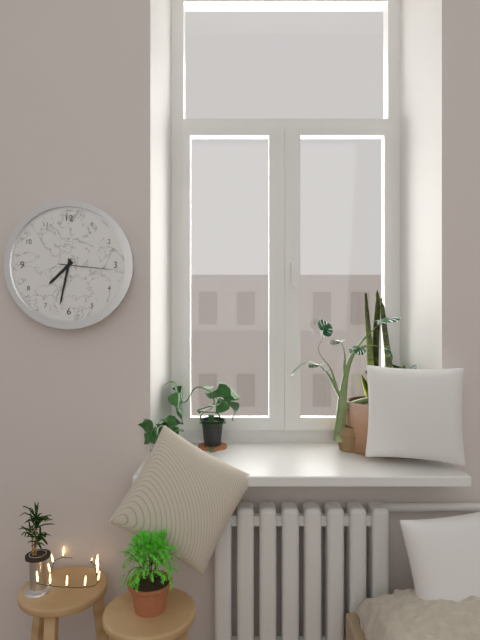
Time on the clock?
7:32:16
